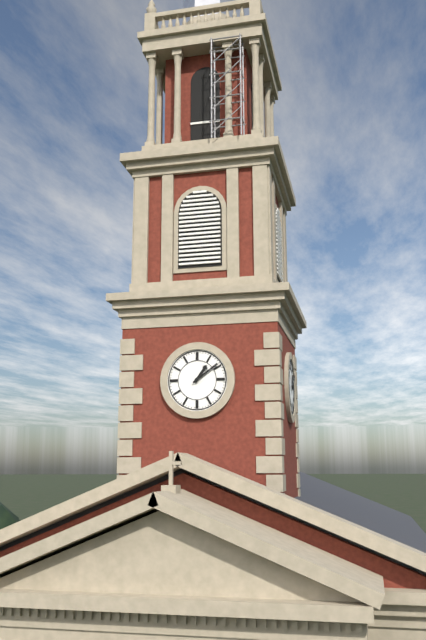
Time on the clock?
1:09
